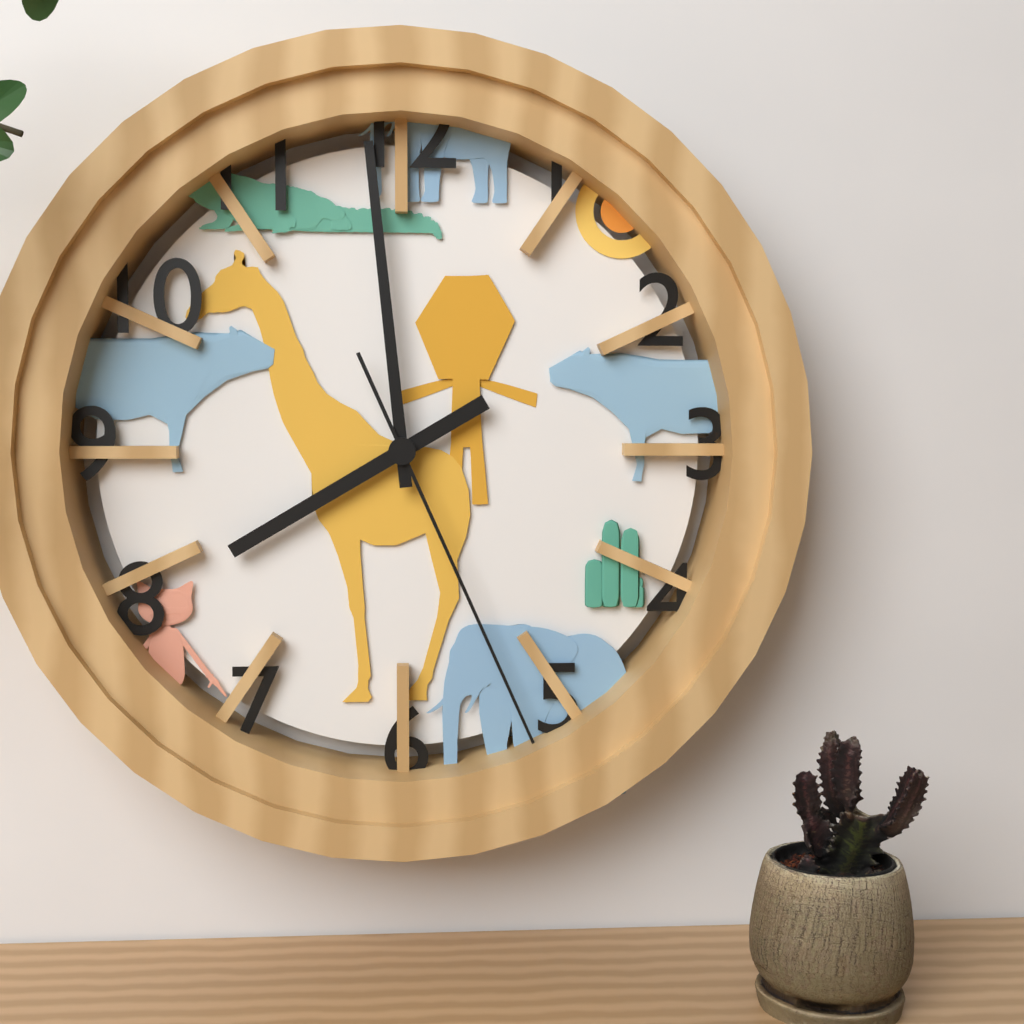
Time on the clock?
7:59:26
